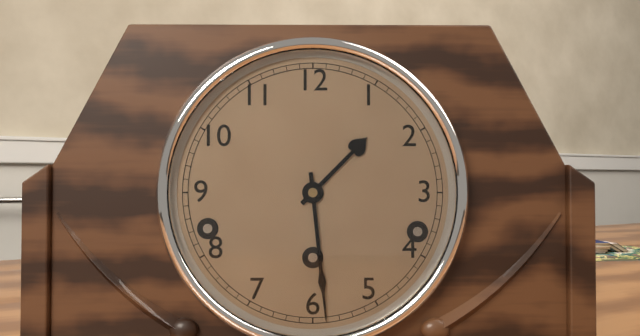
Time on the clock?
1:29
